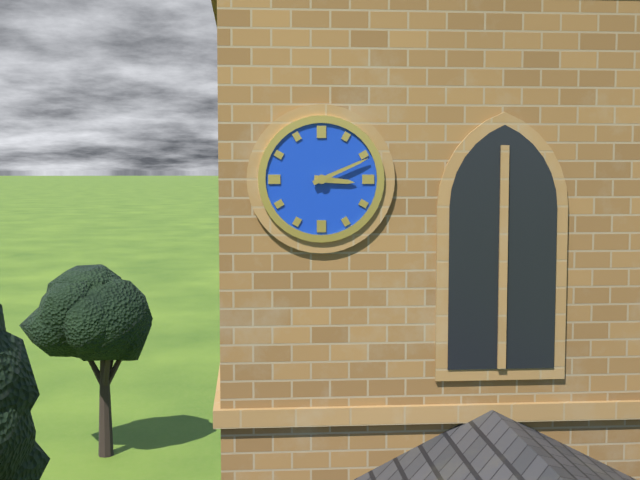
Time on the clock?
3:11
